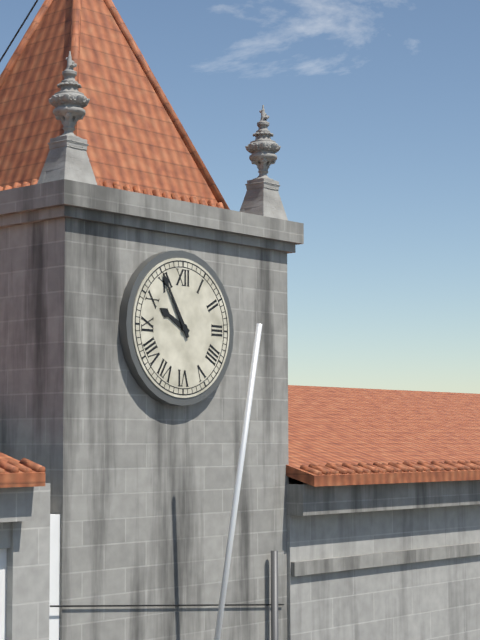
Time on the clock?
9:55
